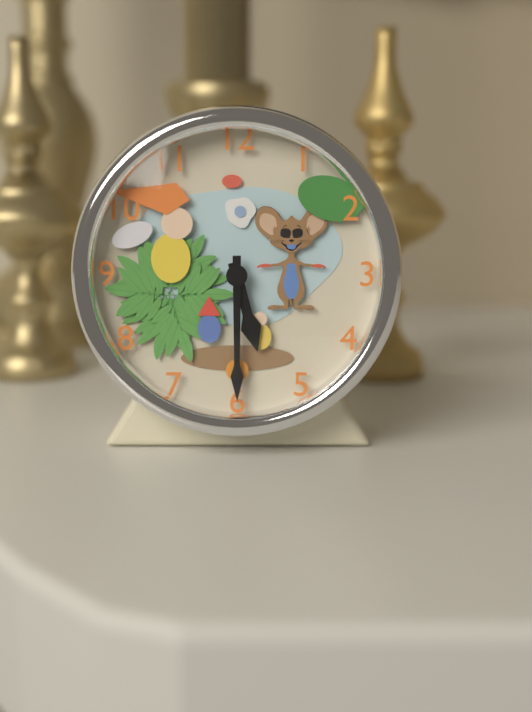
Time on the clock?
5:30
